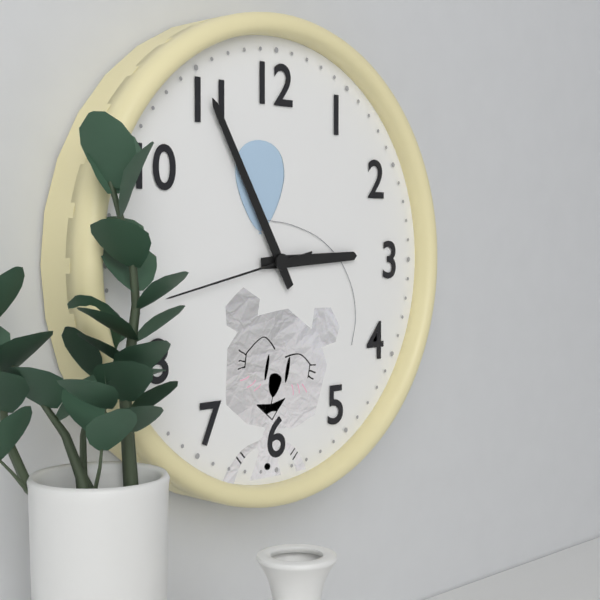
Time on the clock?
2:55:43
